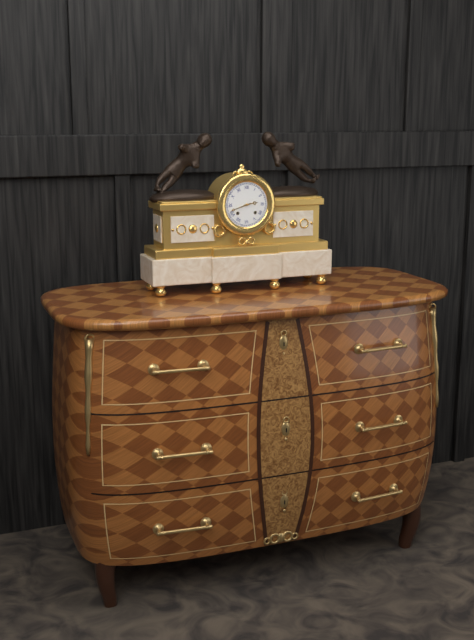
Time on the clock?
2:42
